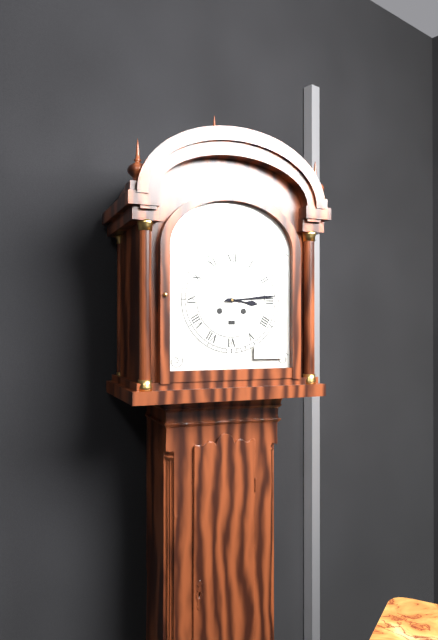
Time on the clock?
3:14
